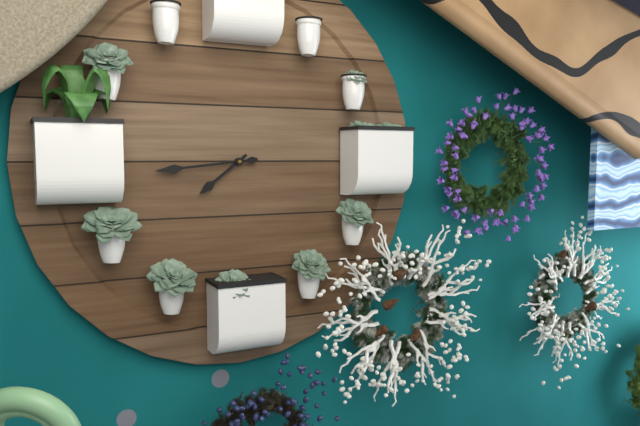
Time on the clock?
7:44
